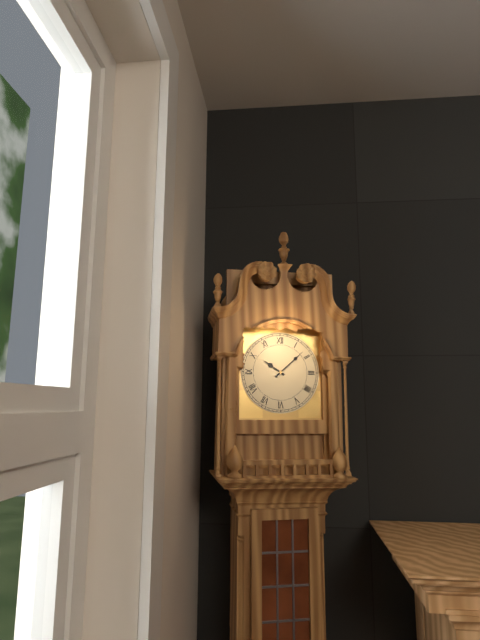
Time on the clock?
10:08
